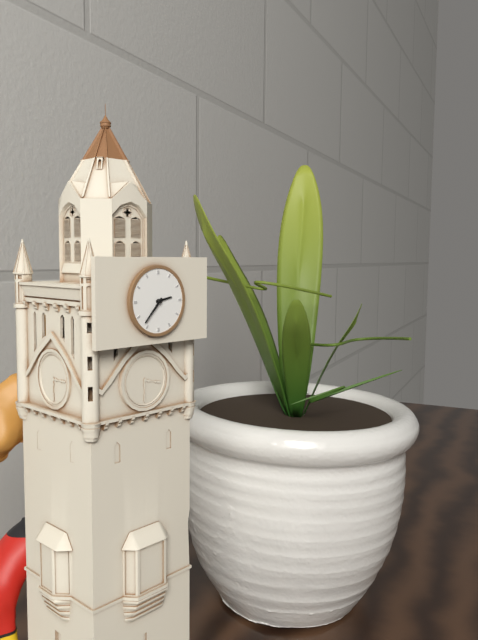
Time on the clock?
2:37
